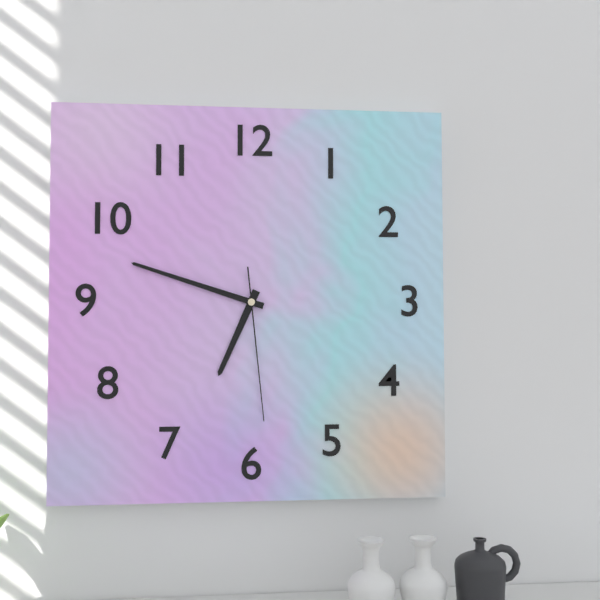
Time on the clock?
6:48:29
